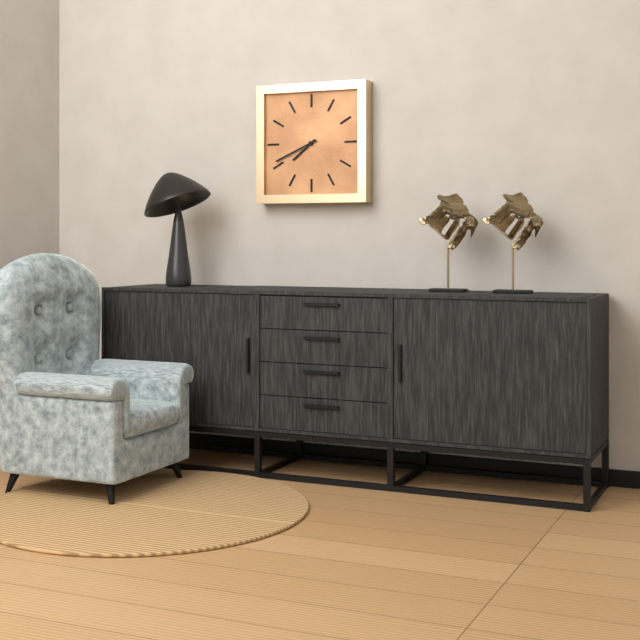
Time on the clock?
7:41
